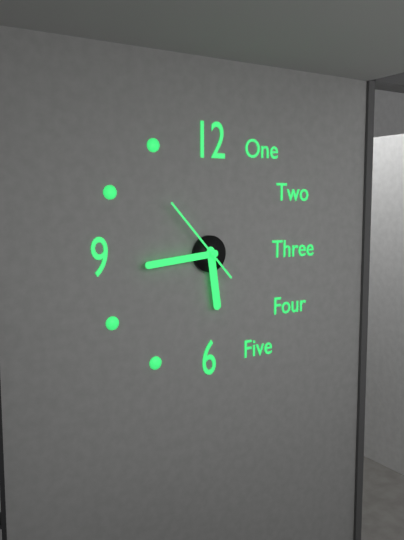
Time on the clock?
5:44:53
